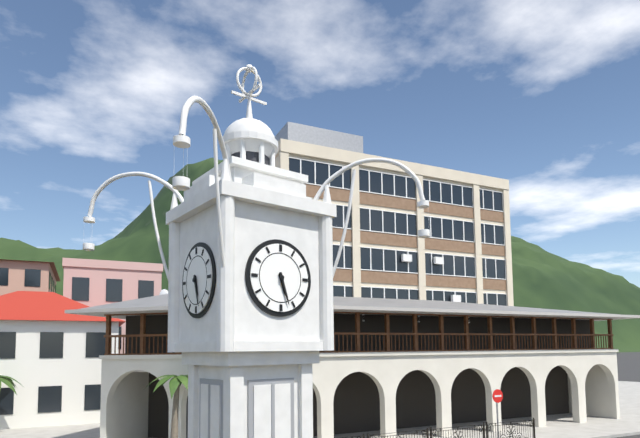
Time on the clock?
5:27
